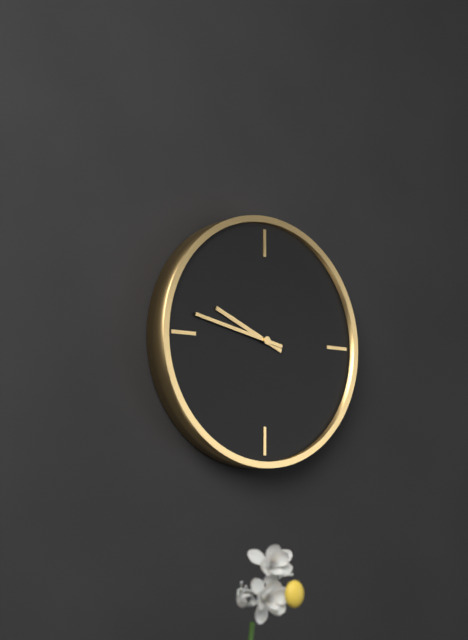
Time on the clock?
9:47
